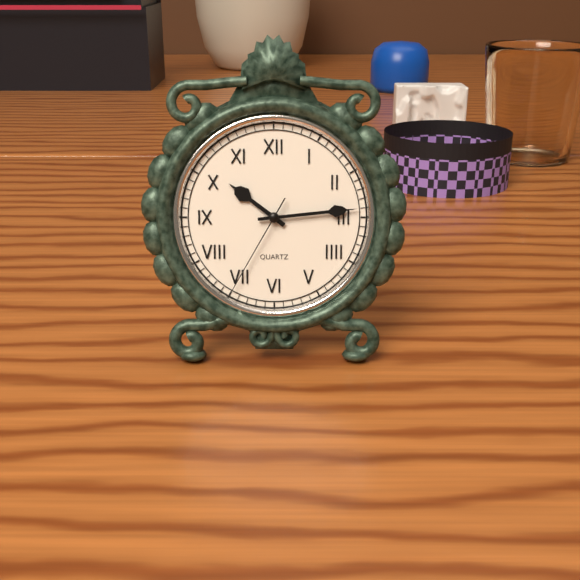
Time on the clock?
10:14:35
